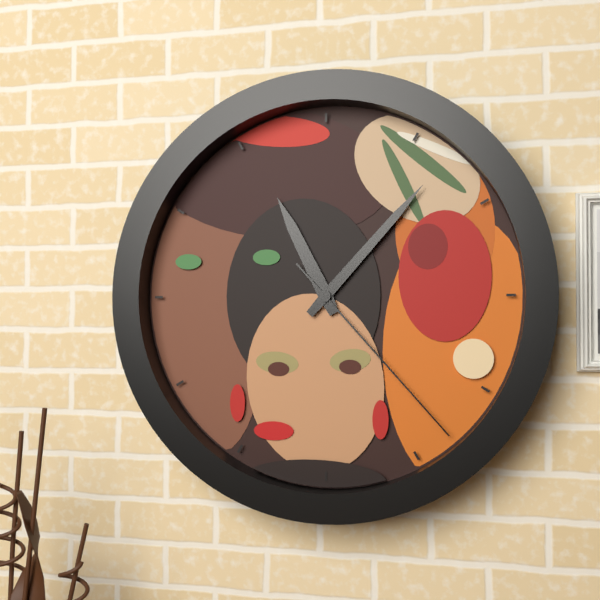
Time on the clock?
11:07:23
